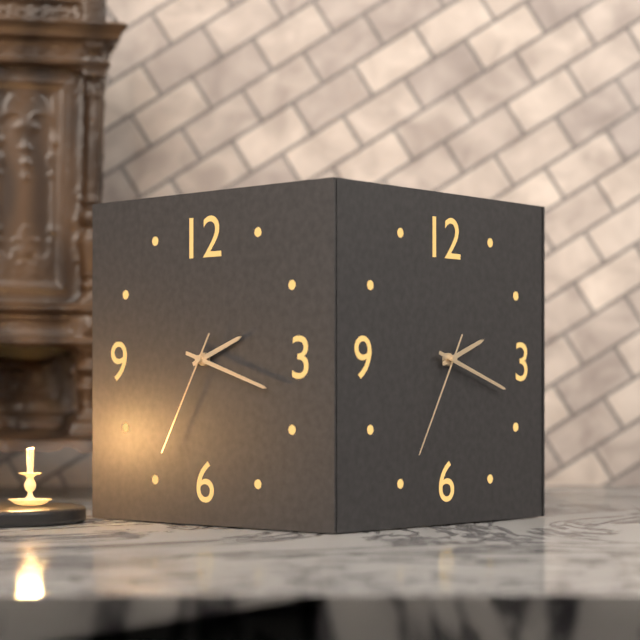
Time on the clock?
2:18:35
